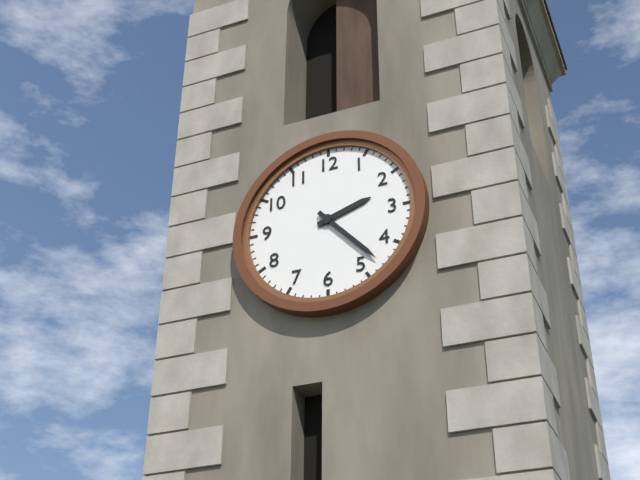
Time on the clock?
2:23
